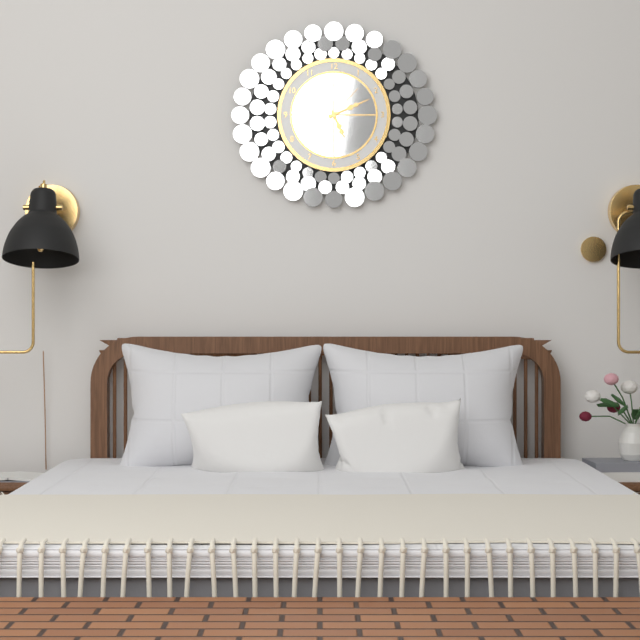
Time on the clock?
5:11
